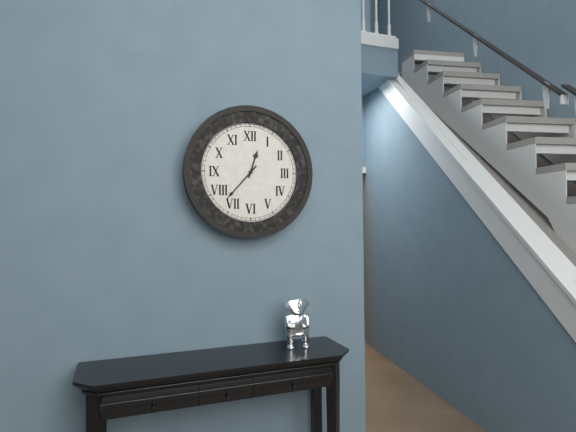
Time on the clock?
12:37
